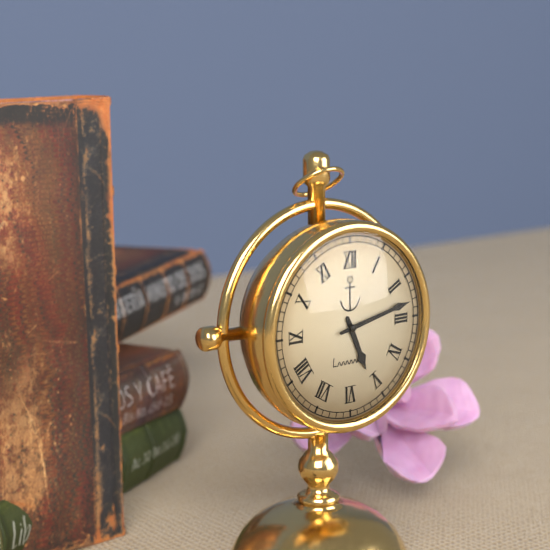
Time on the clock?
5:13
